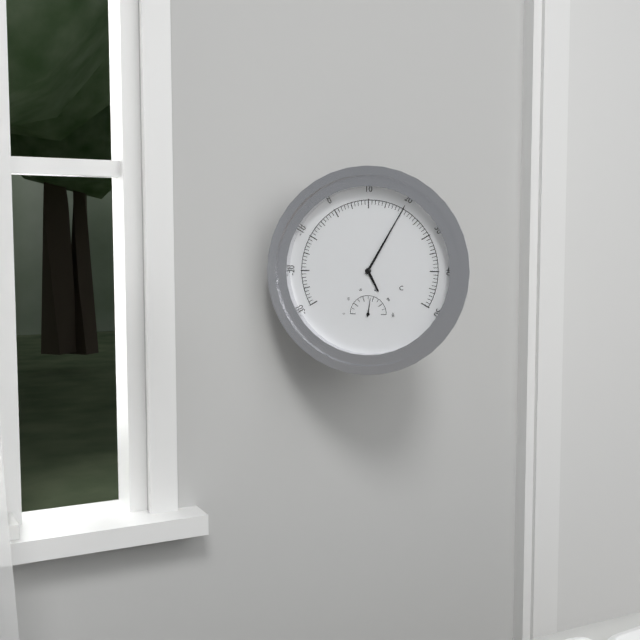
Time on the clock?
5:05
